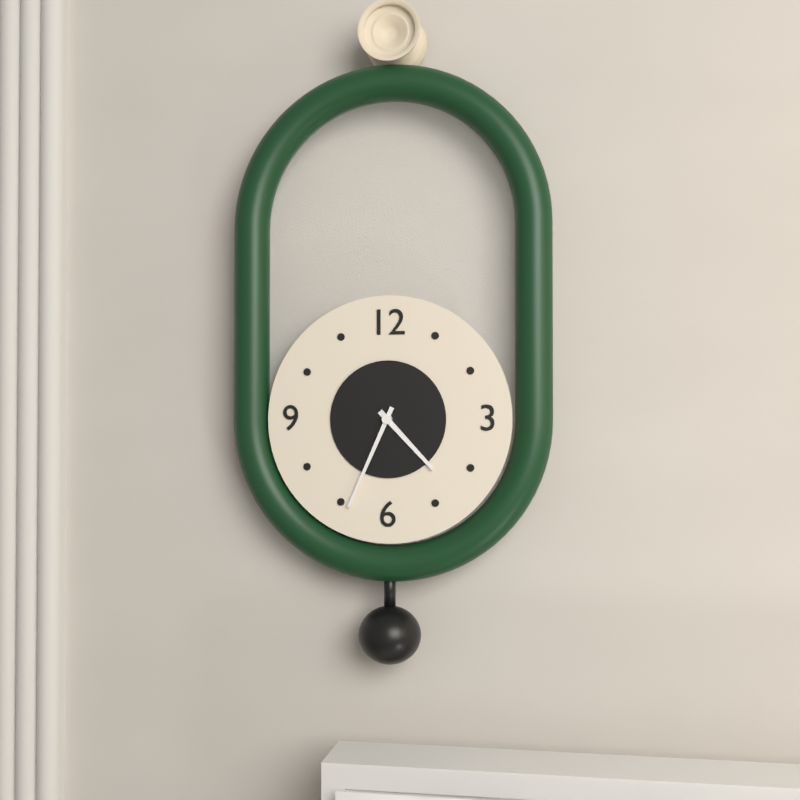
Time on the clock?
4:34
